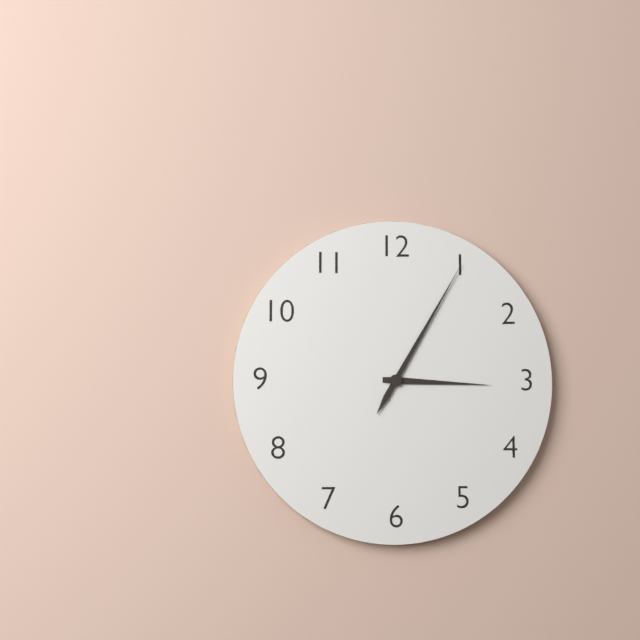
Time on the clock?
3:05
